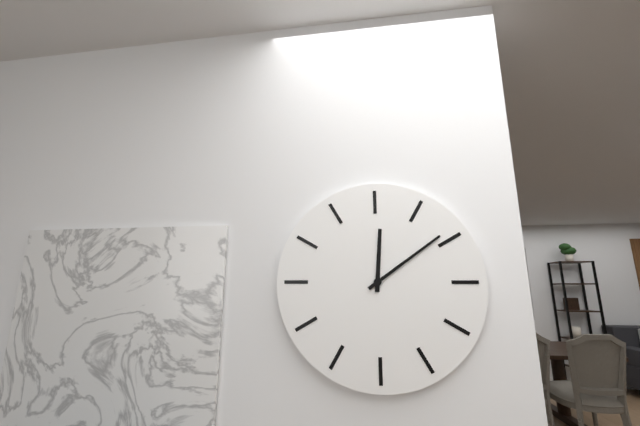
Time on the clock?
12:09
